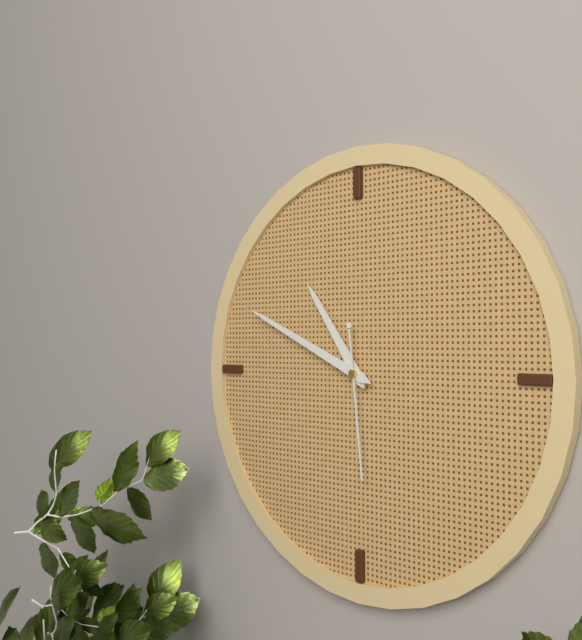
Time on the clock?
10:49:29
